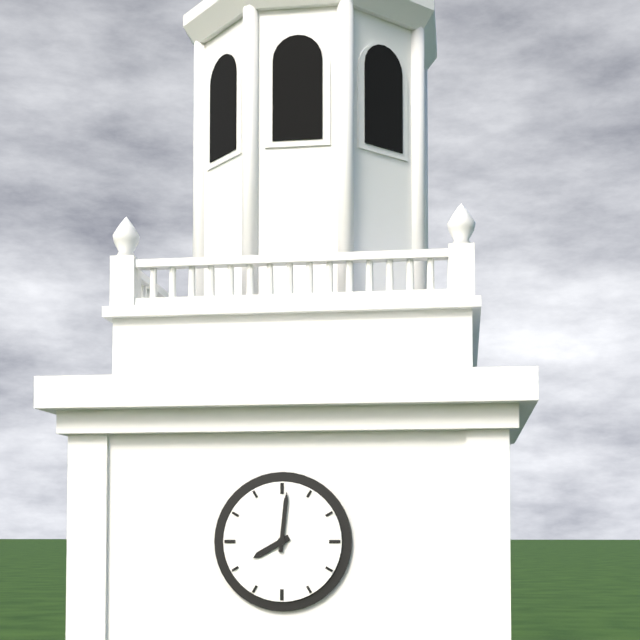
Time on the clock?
8:01
